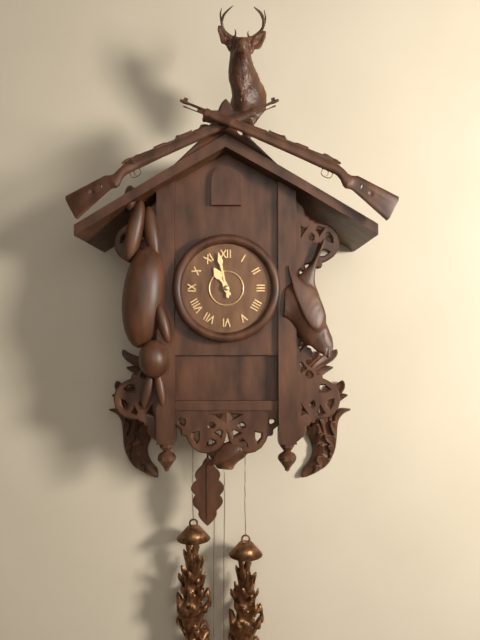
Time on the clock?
10:58
